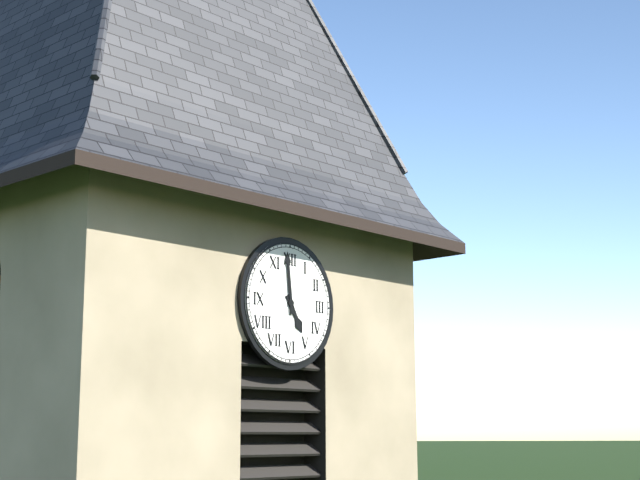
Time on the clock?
4:59
